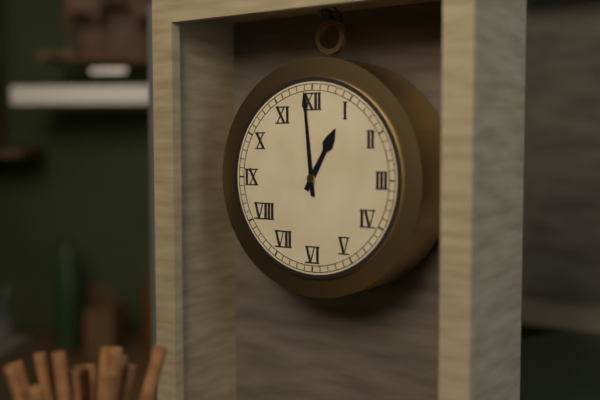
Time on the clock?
12:59
